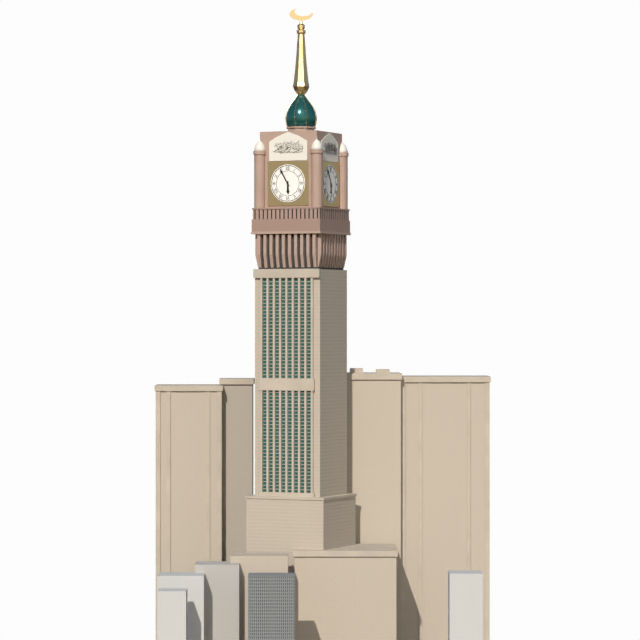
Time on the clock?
5:55
